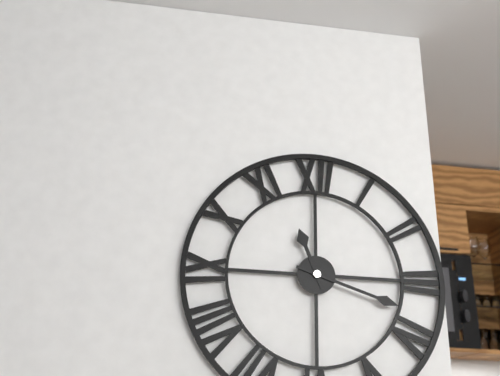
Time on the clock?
11:18
